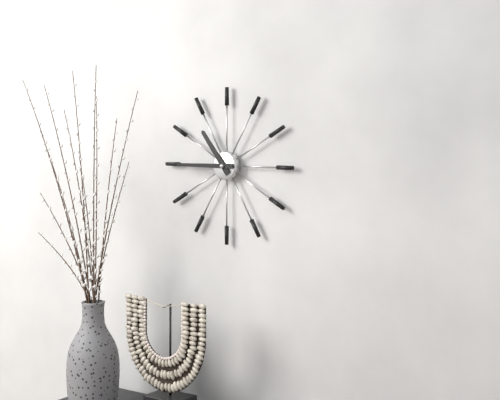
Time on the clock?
10:45
